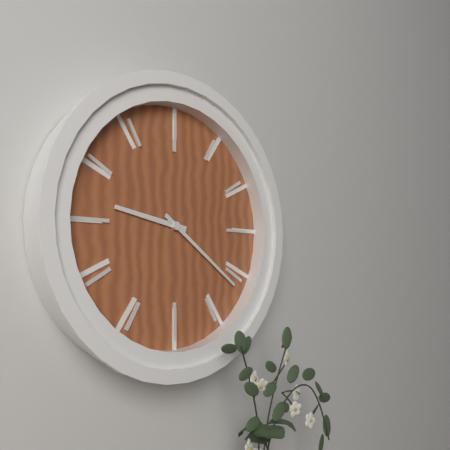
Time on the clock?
9:21
